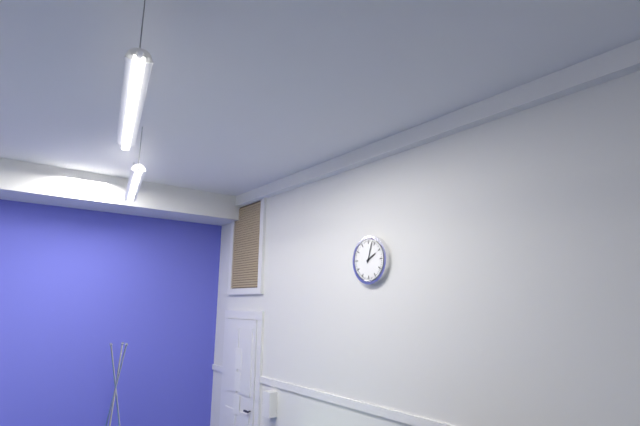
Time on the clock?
2:03
